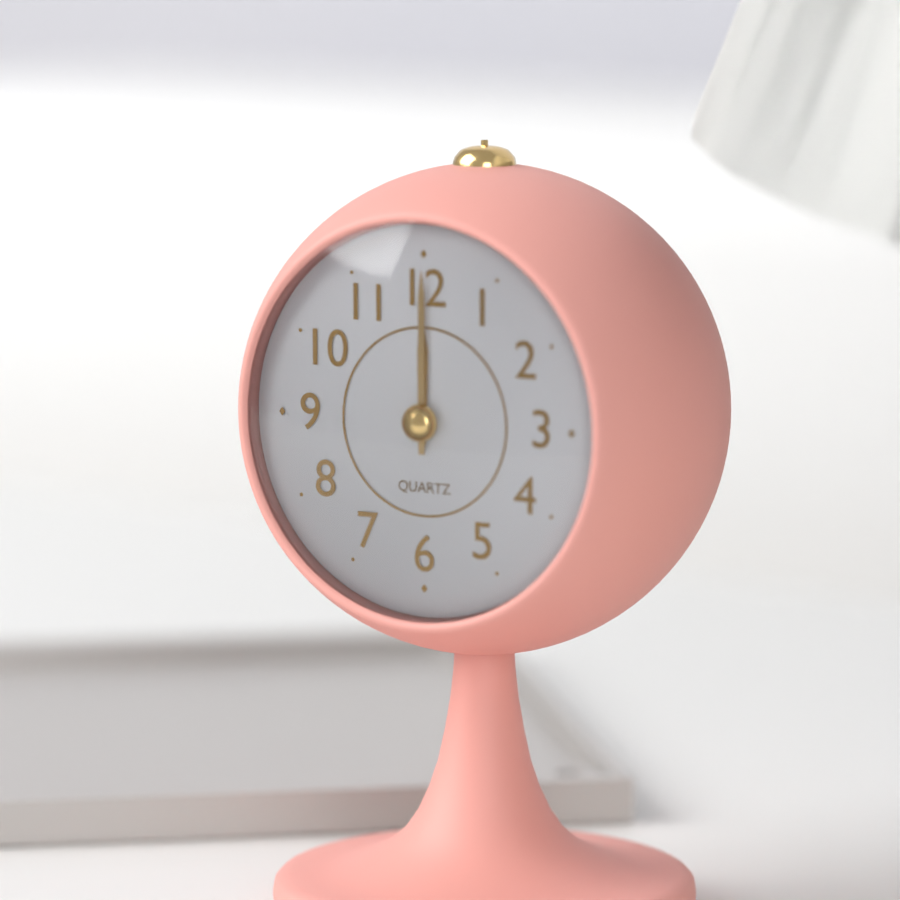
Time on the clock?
12:00
